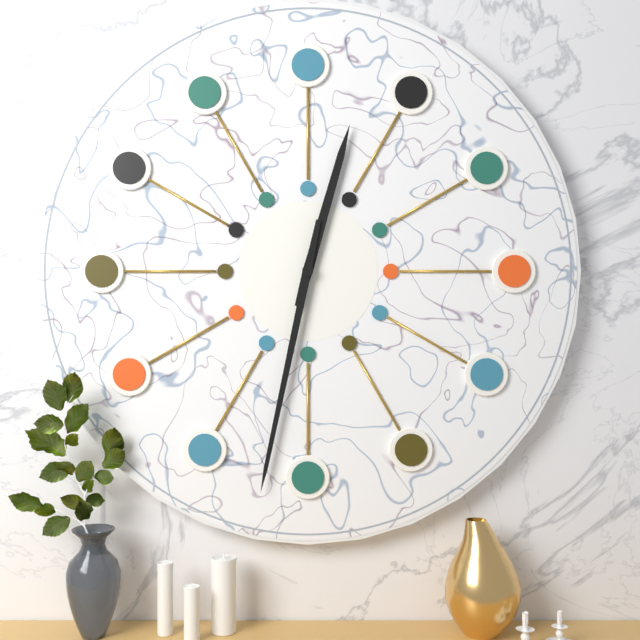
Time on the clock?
12:32
